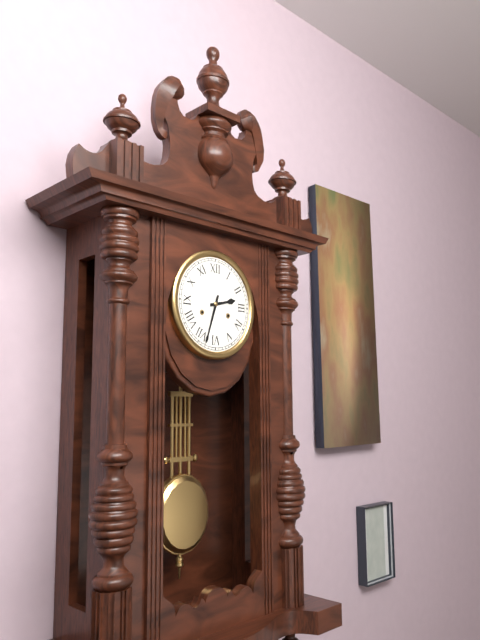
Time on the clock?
2:33
